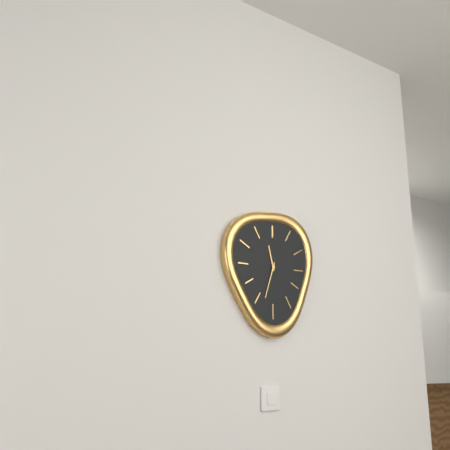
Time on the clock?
11:33
